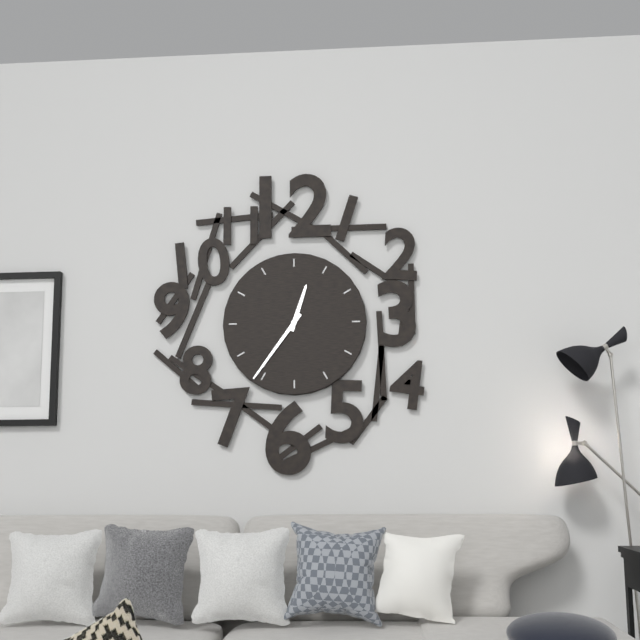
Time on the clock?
12:36
